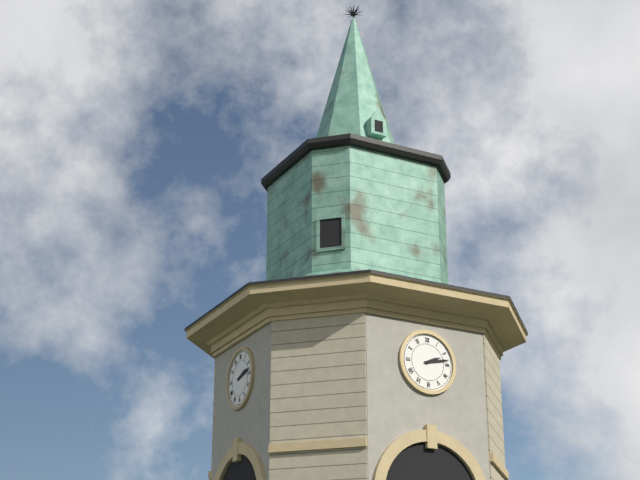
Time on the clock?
2:13
